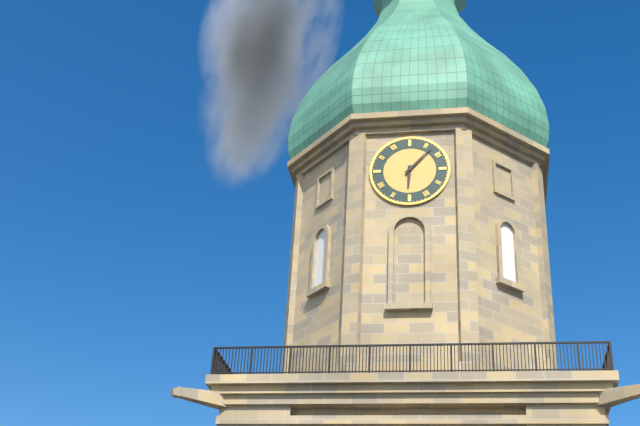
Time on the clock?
6:07
